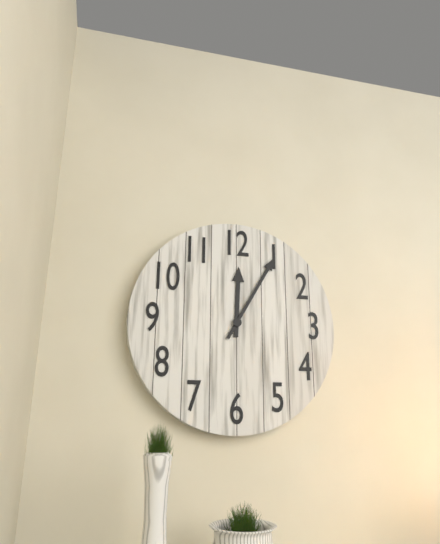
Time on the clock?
12:05
